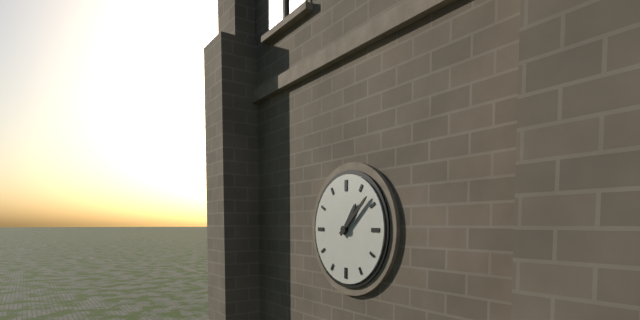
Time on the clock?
1:08
